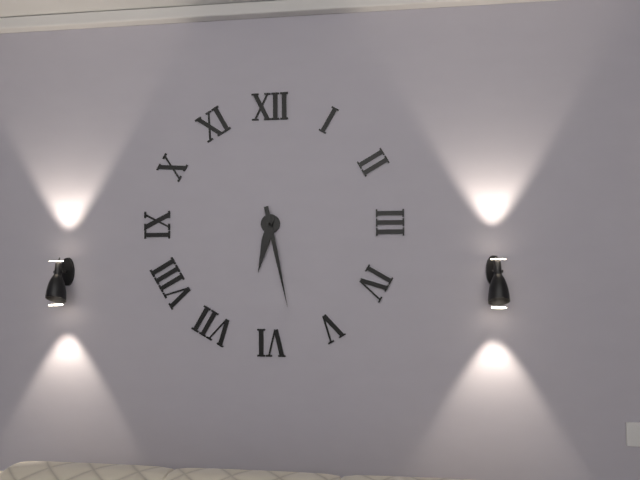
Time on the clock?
6:28
